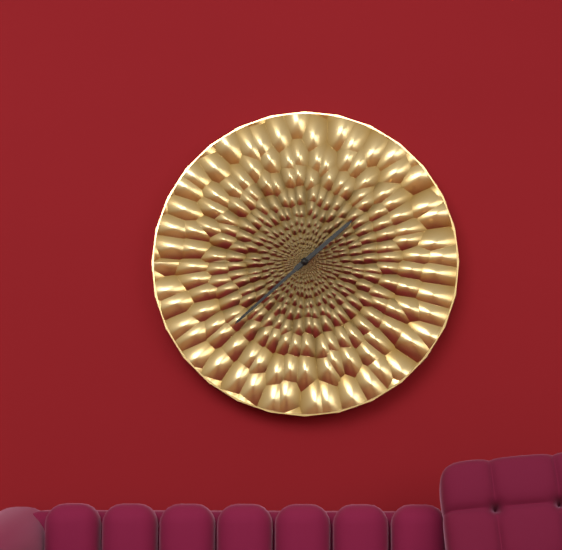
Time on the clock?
1:38
